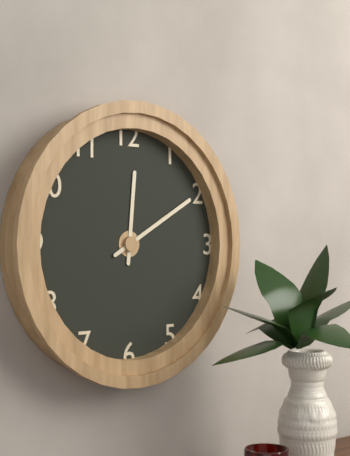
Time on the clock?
12:10
